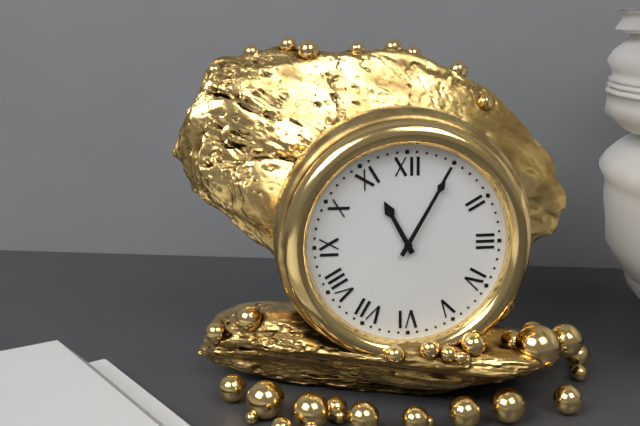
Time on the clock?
11:05
